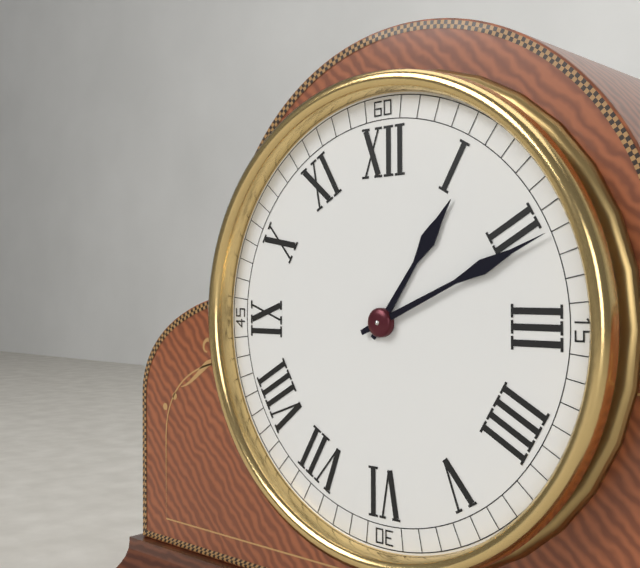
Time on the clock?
1:11
